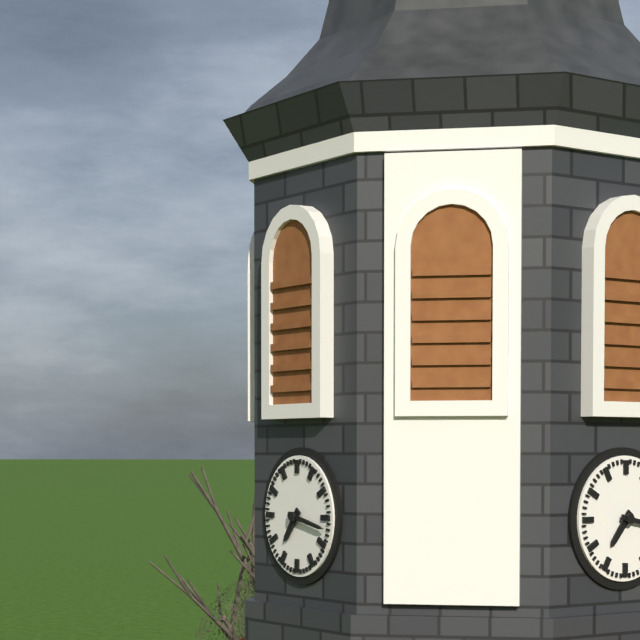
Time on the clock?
7:17
